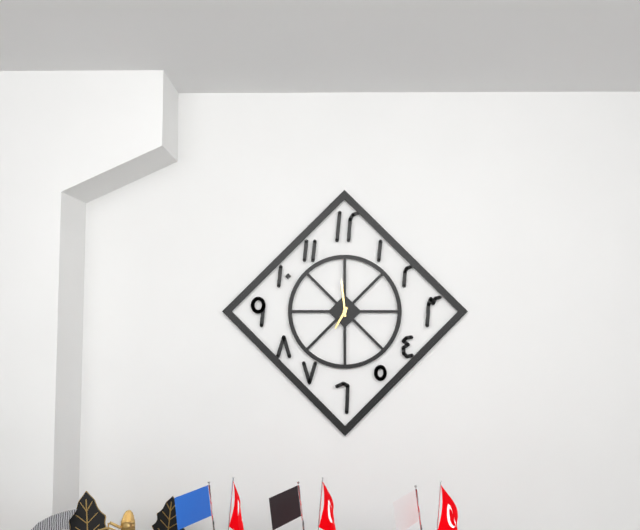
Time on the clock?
6:59
